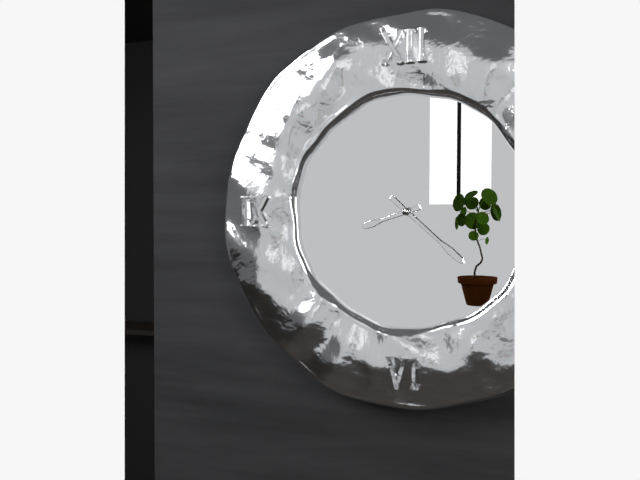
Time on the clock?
8:22
